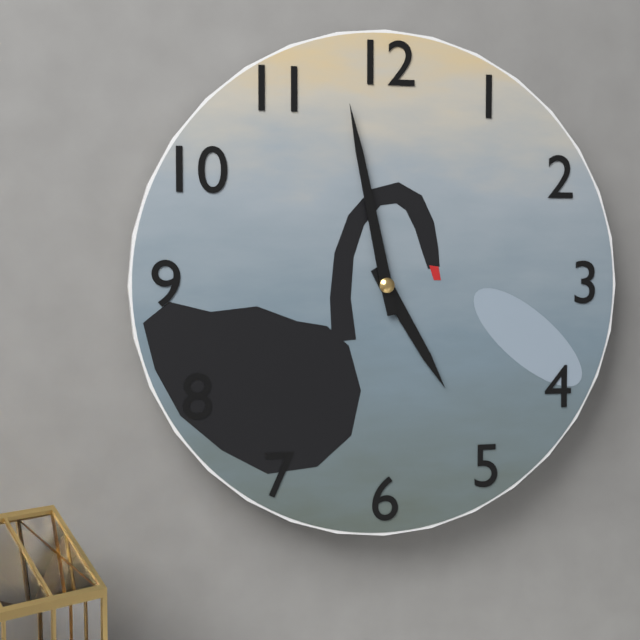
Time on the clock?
4:58
